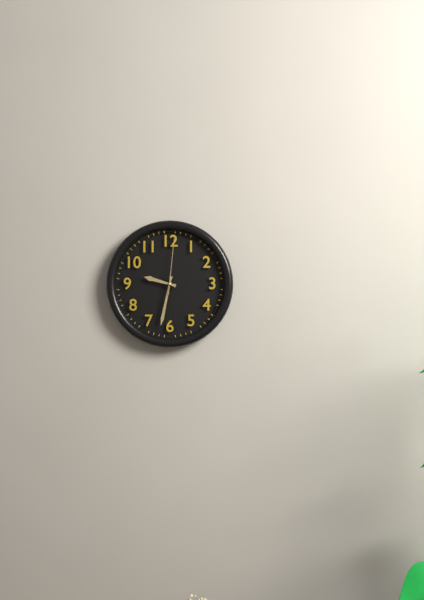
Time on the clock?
9:32:01
